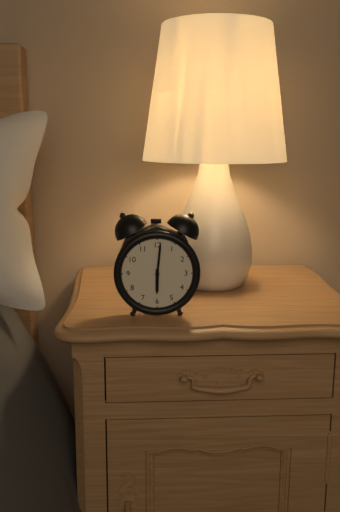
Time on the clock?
6:01
